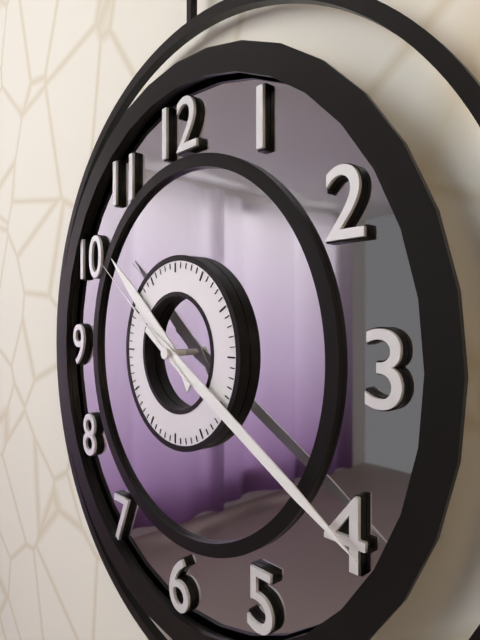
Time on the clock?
10:20:51
